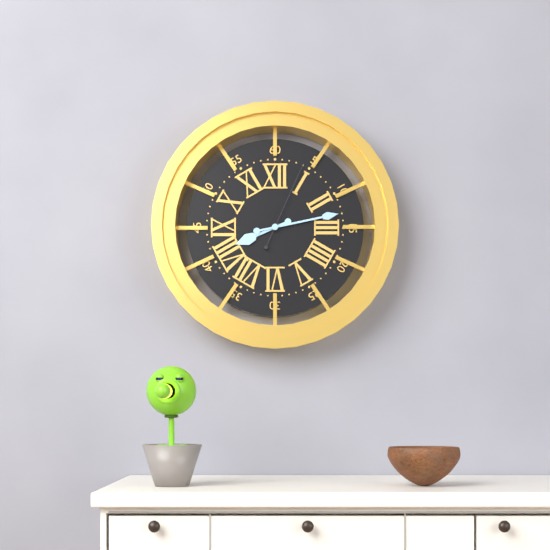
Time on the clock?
8:13:04
